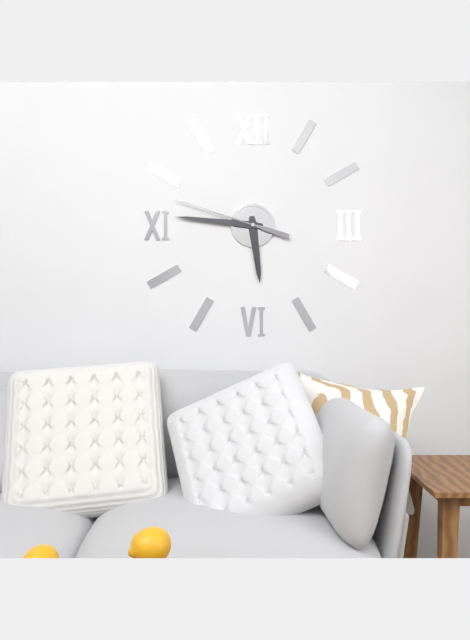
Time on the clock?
5:46:48
